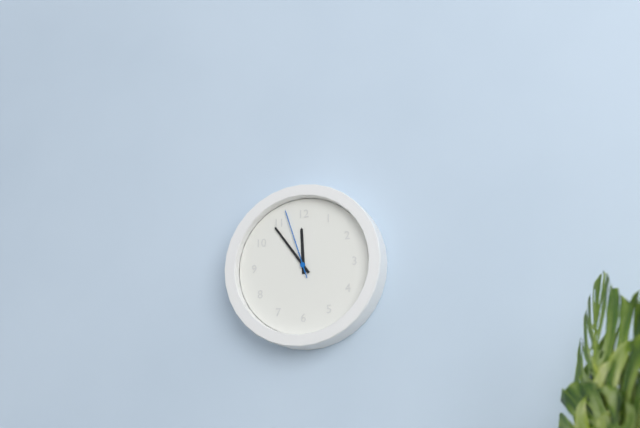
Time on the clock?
11:54:57
